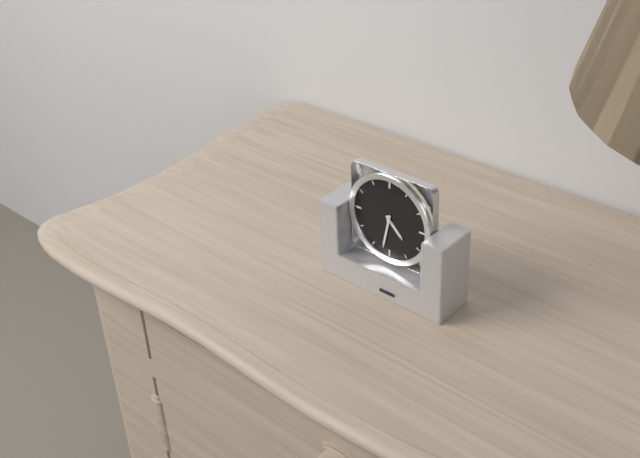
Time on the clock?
4:32
